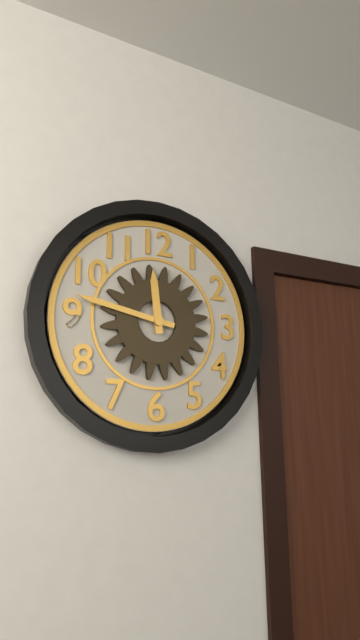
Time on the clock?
11:47
